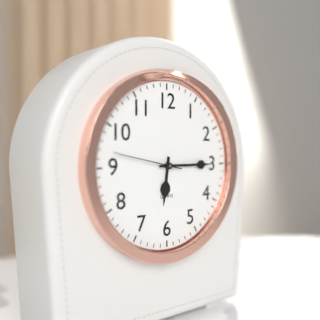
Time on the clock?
6:15:47
